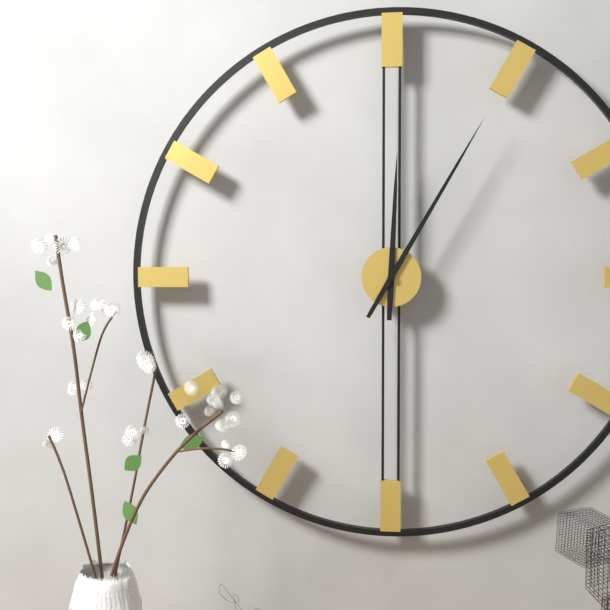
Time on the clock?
12:05
